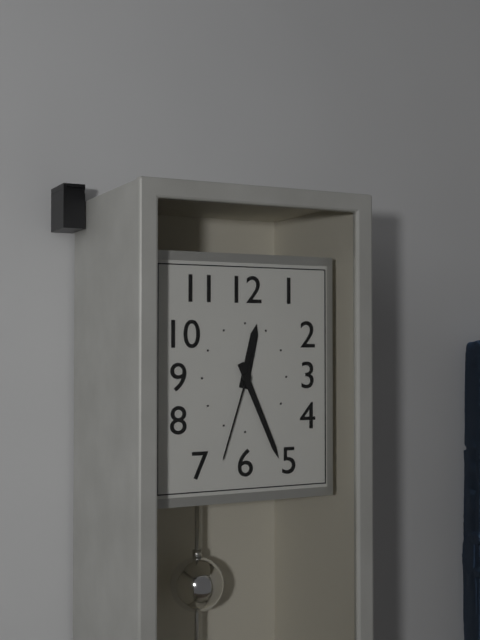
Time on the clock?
12:26:33
